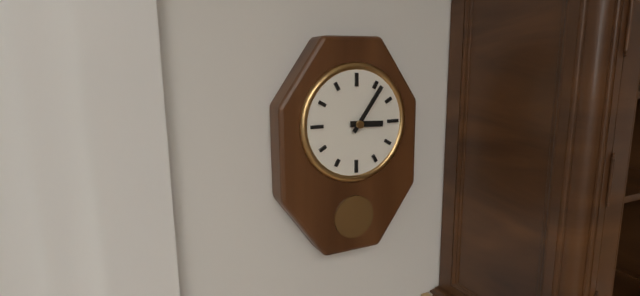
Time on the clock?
3:06
